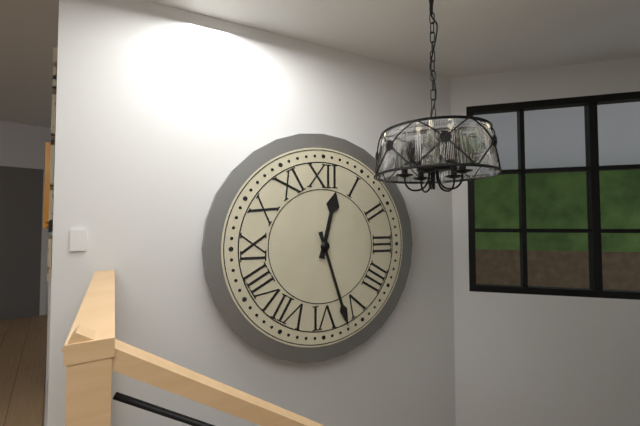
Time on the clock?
12:27
